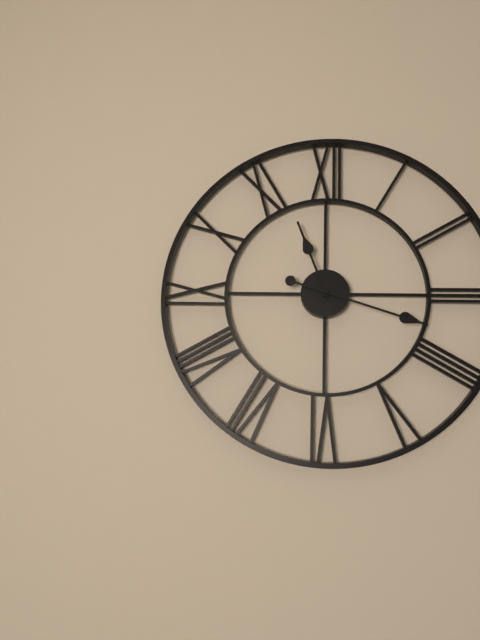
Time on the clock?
11:18
